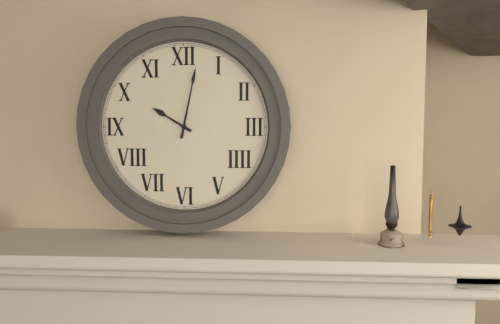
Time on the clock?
10:02
